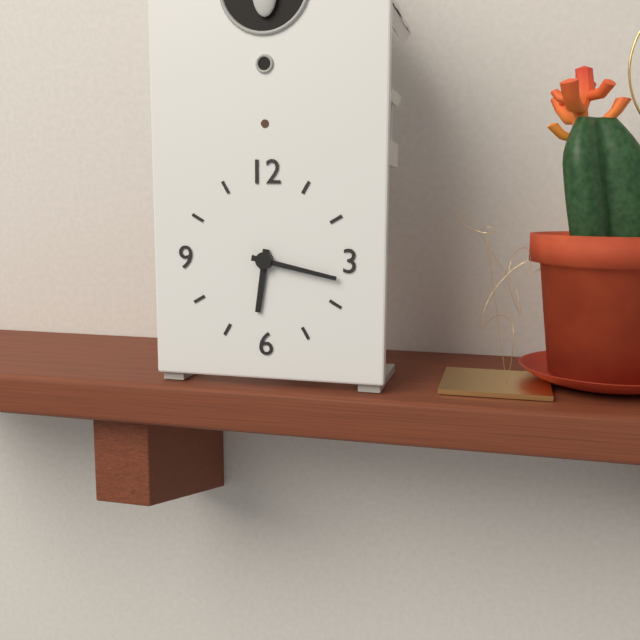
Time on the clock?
6:17
